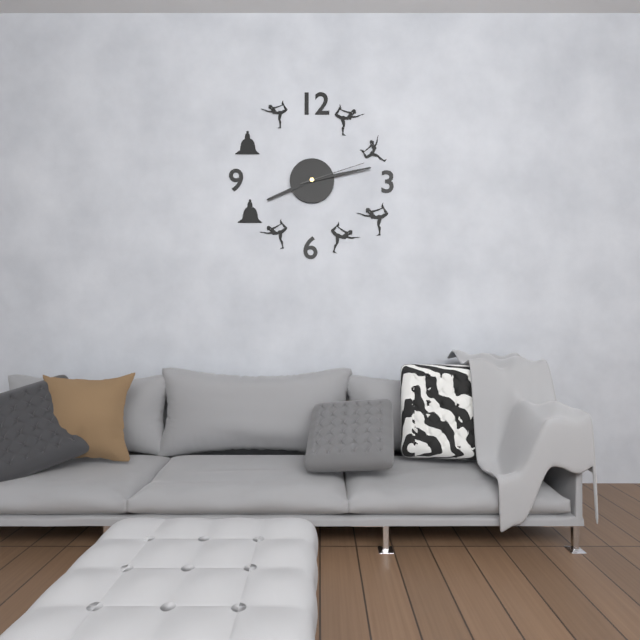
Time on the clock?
8:13:12
